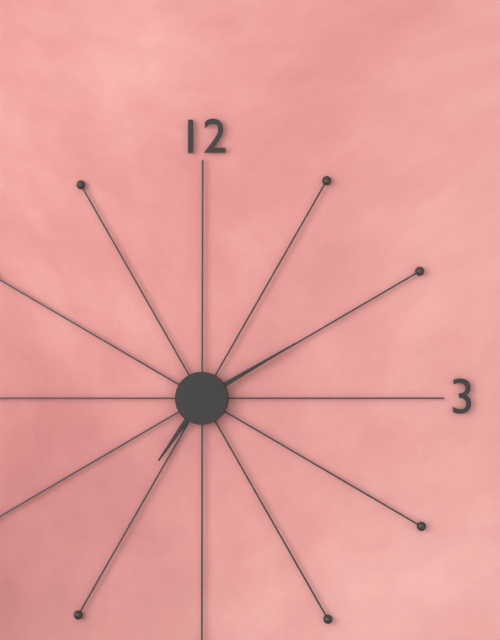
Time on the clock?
7:10
